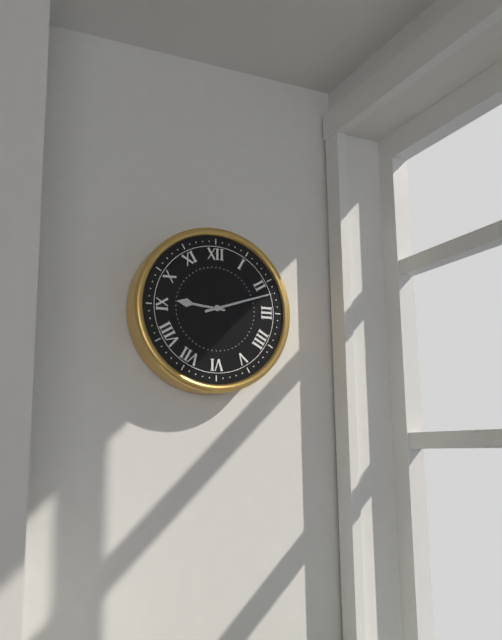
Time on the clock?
9:12
